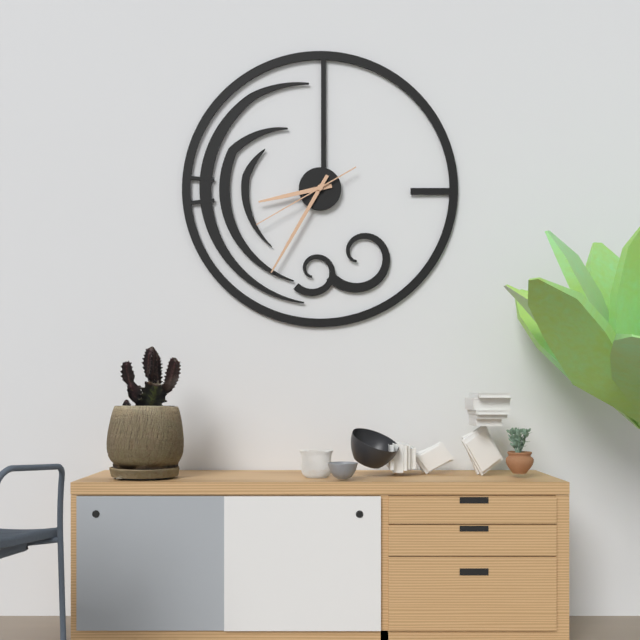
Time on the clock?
8:35:40
